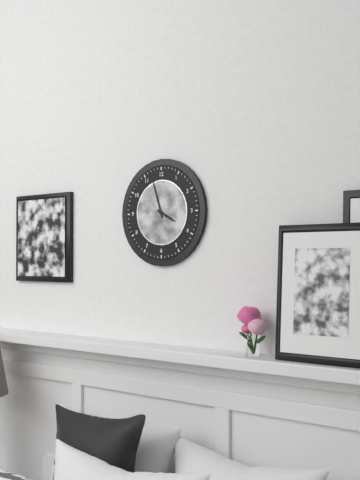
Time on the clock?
3:57
